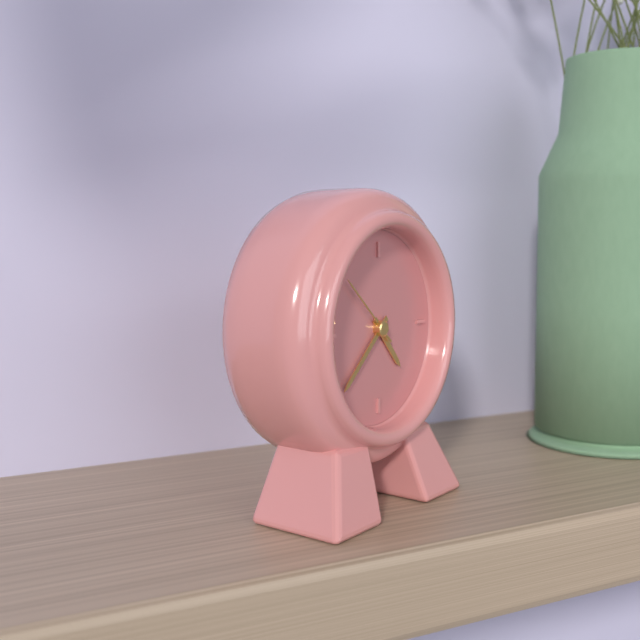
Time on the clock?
4:38:52
